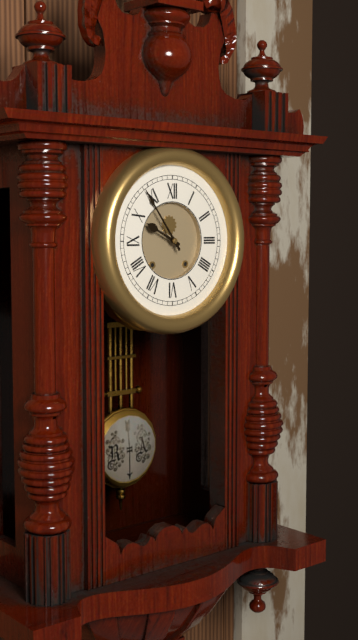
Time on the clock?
9:54
